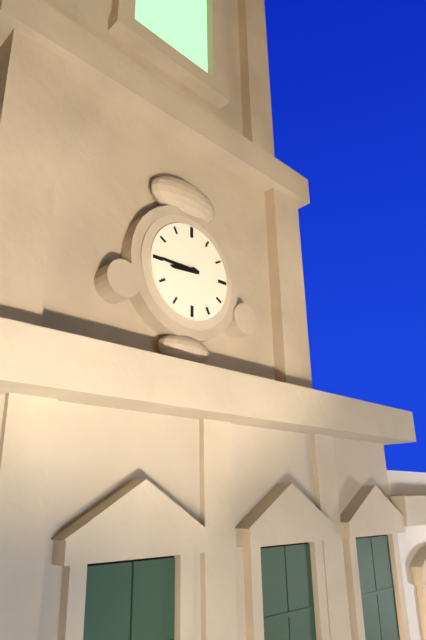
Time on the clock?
8:45
